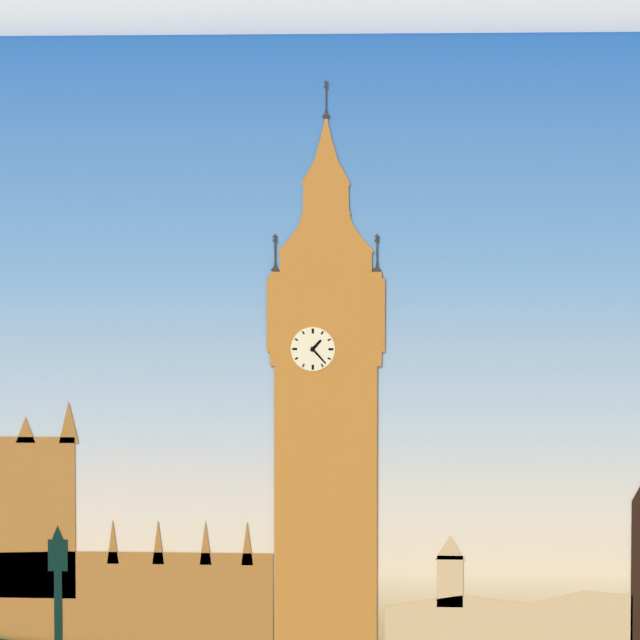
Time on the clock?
1:23
